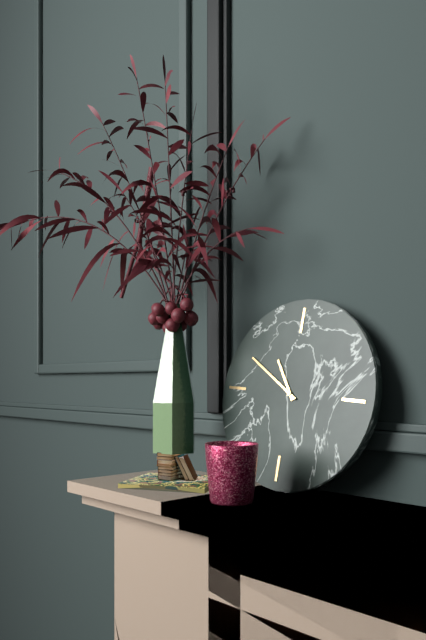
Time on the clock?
10:50
